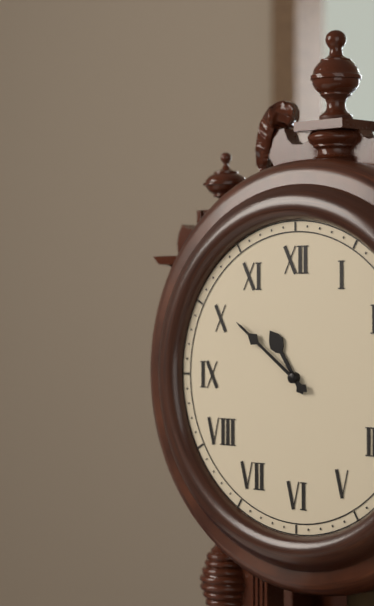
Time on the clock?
10:51
